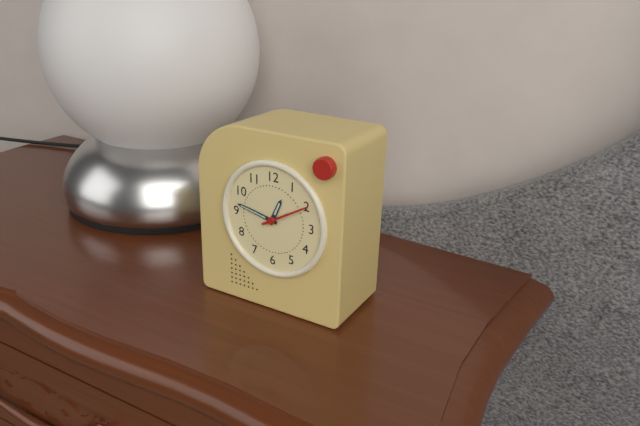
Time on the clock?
12:47
